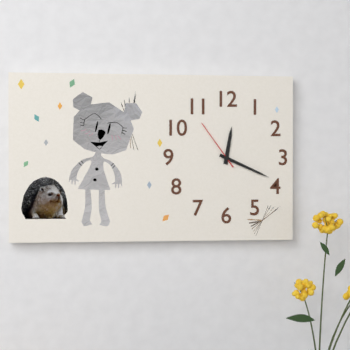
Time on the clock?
12:19:54
